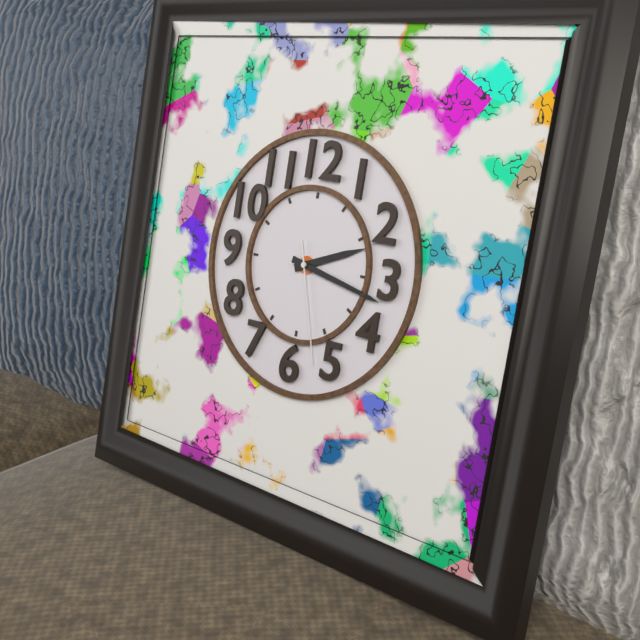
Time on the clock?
2:17:27
